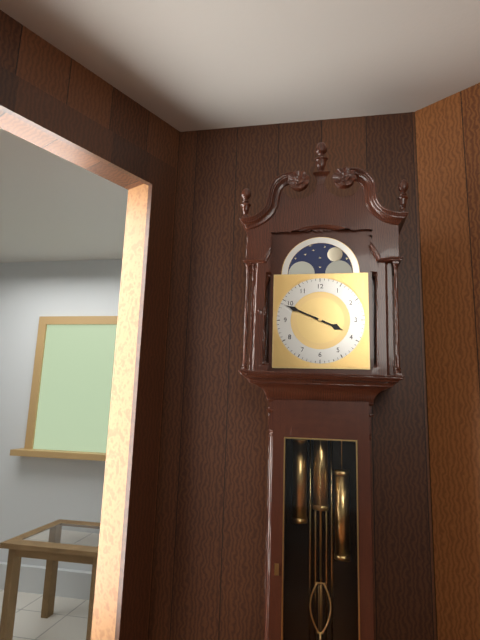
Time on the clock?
3:49
